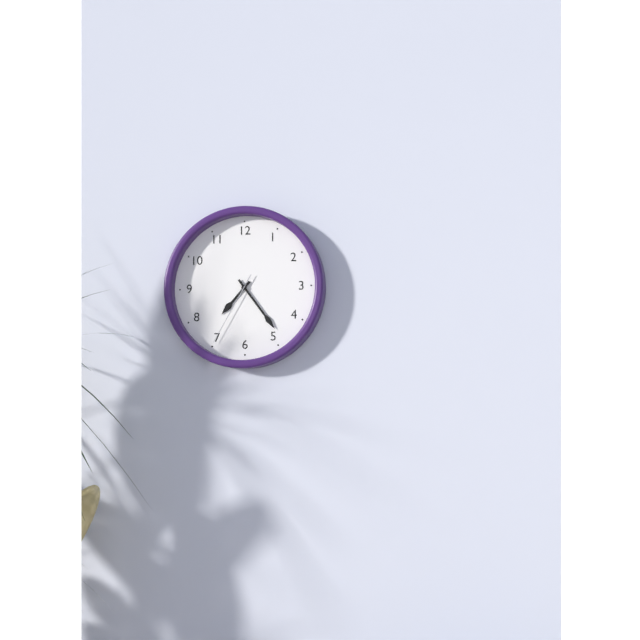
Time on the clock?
7:24:35
